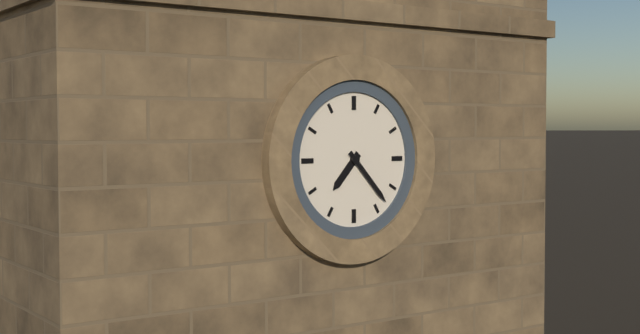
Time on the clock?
7:23
